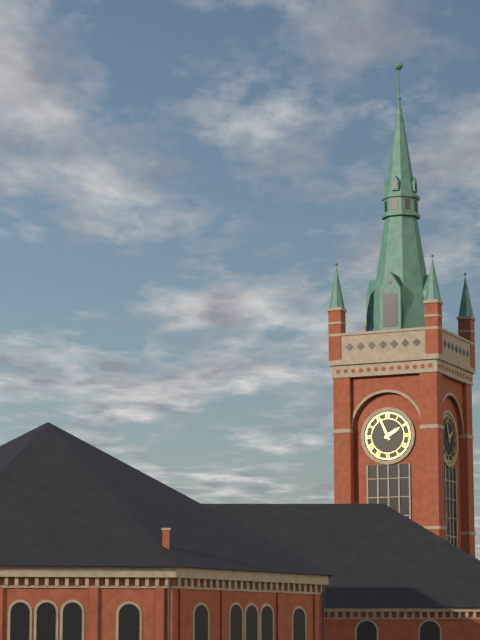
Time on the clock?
1:56
